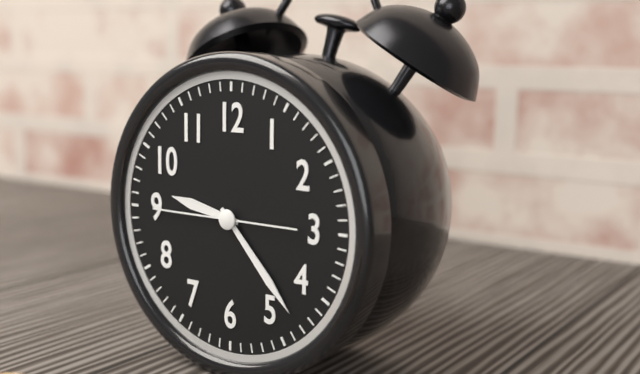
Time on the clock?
9:23:45
